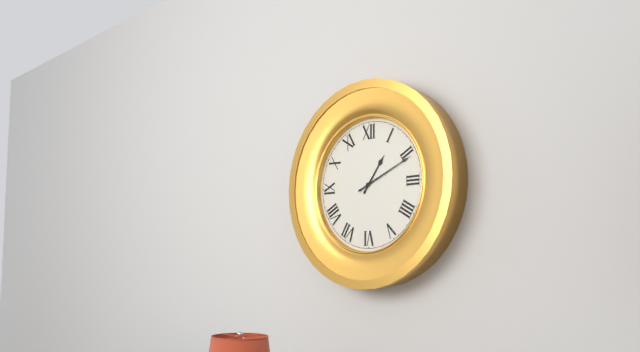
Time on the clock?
1:11
